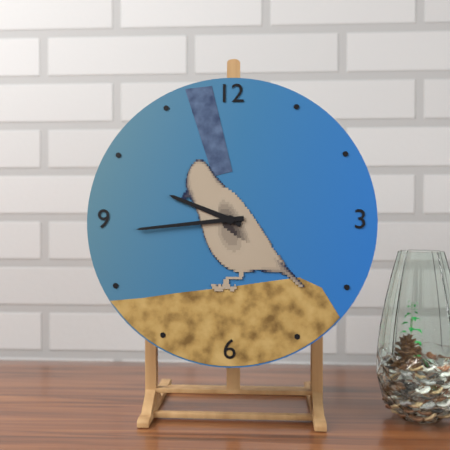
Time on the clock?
9:44
